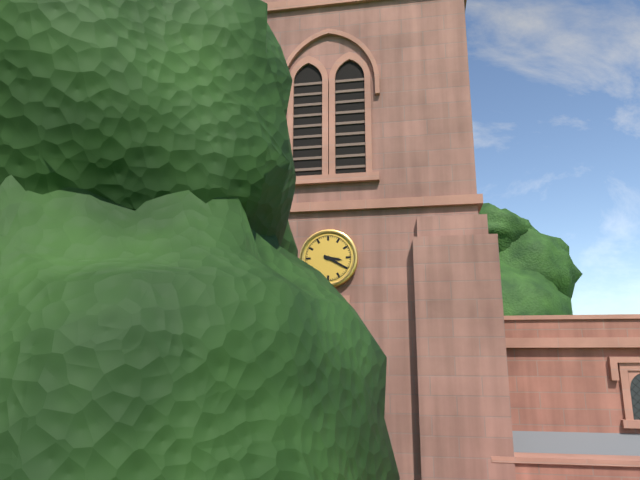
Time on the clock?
3:20
